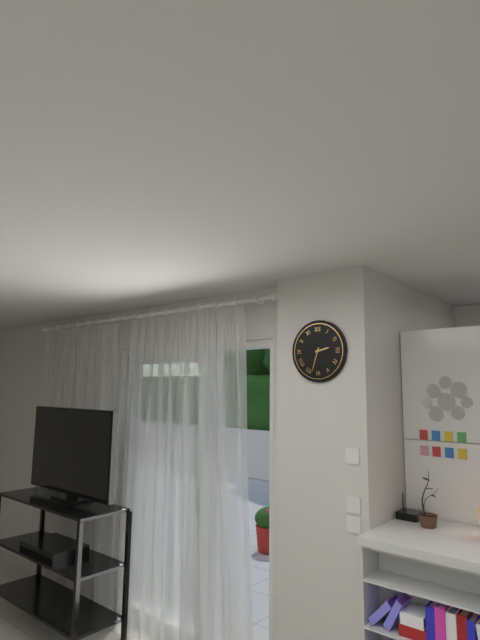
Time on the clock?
2:33
